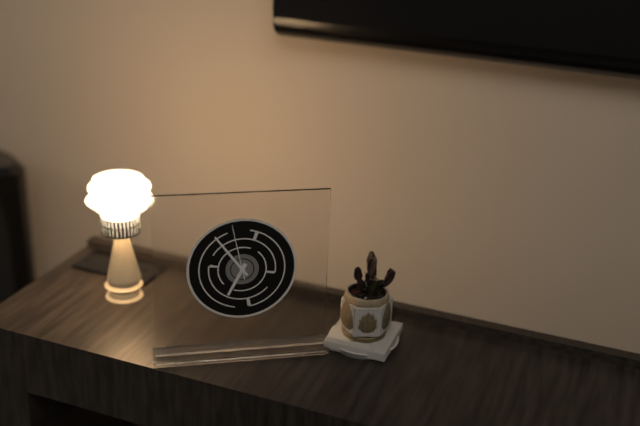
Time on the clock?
6:54:58
